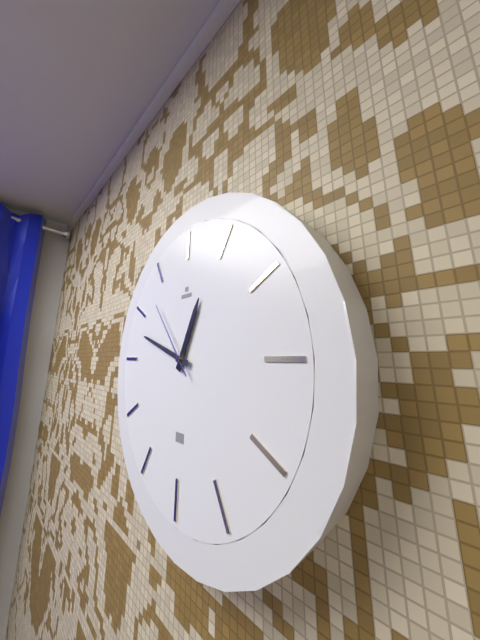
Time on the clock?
12:48:53
